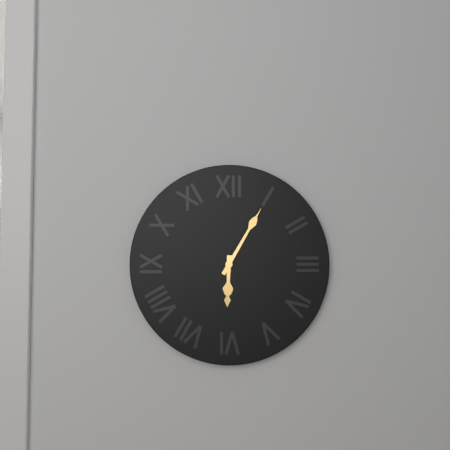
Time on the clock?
6:05
